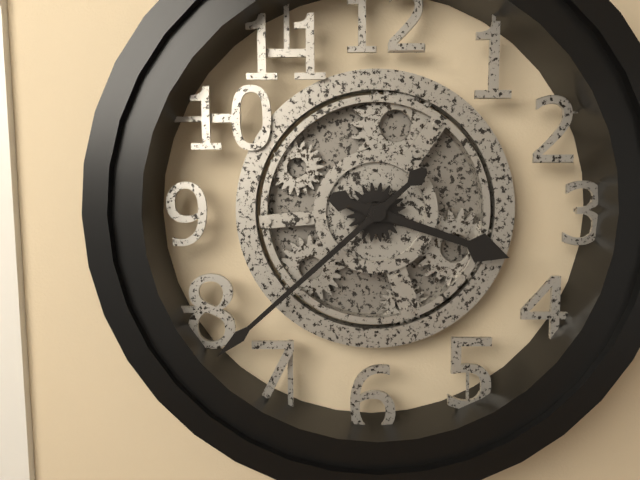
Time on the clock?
3:38
